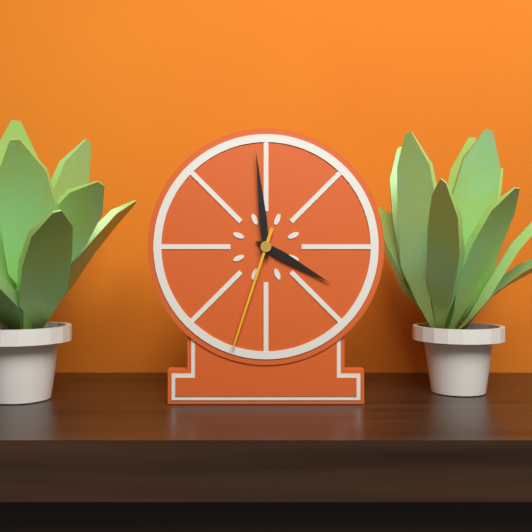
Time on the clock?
3:59:33
